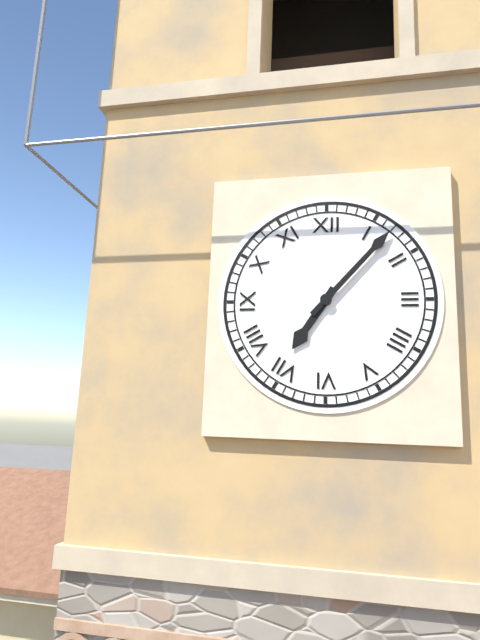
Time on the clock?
7:07
